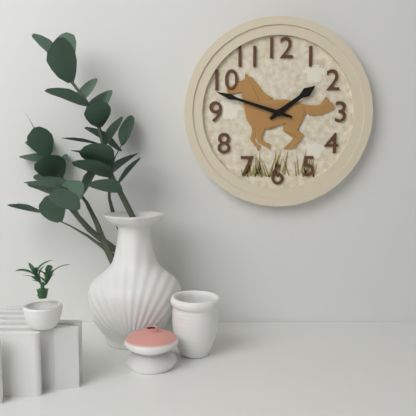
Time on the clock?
1:48
